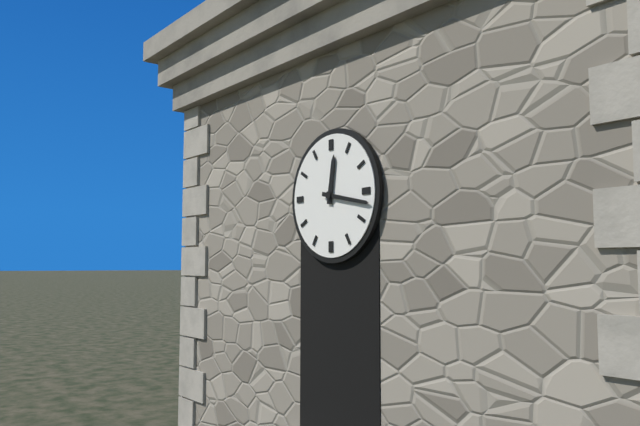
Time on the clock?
12:17
